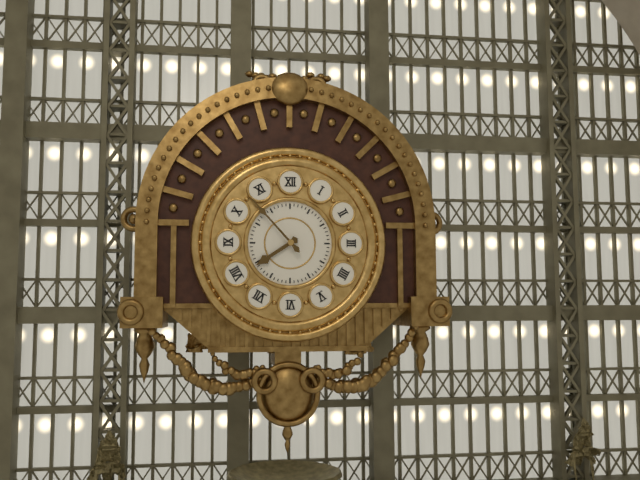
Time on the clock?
7:53
